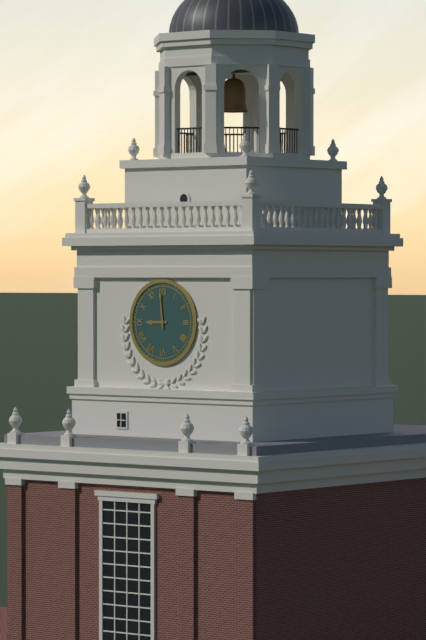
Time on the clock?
8:59
